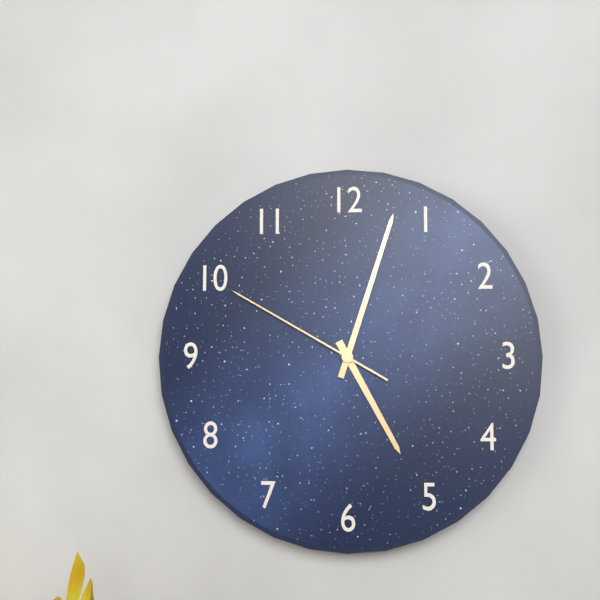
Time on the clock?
5:03:50
